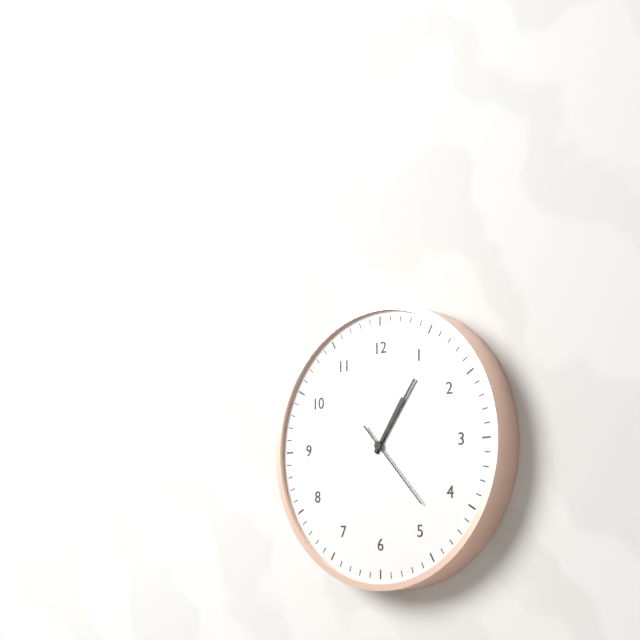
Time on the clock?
1:06:23
